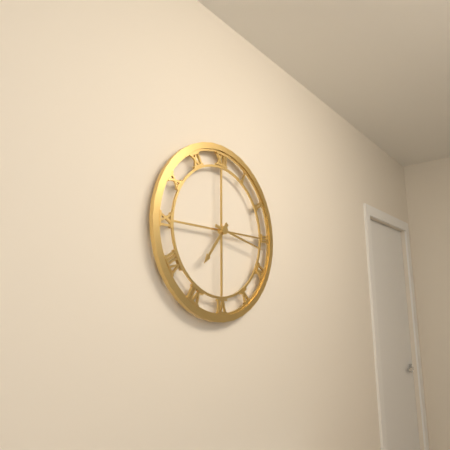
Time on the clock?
7:17
